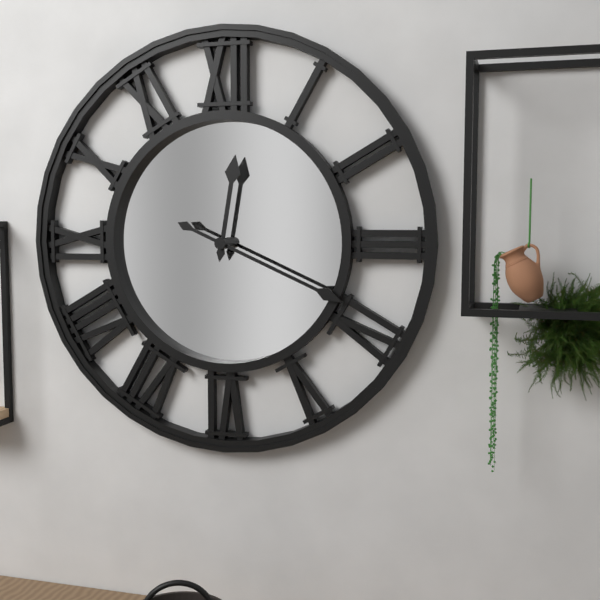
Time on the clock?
12:19
